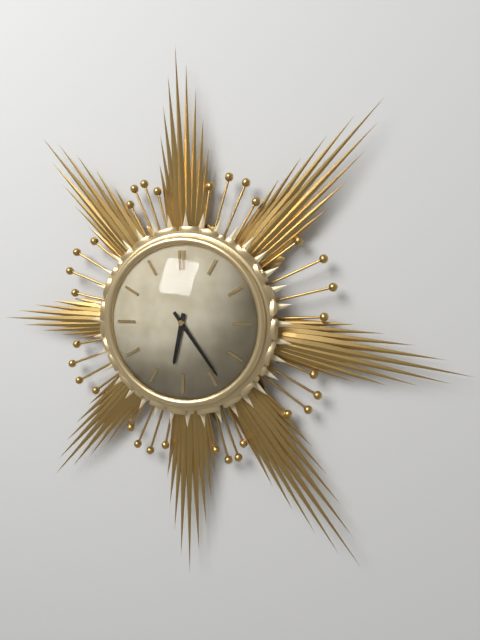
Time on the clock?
6:24
